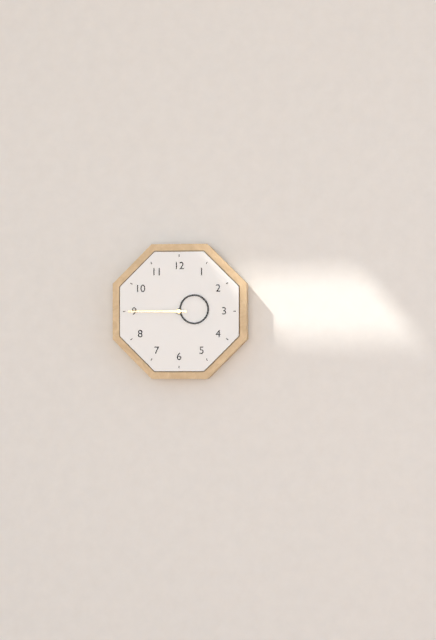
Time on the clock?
2:45
